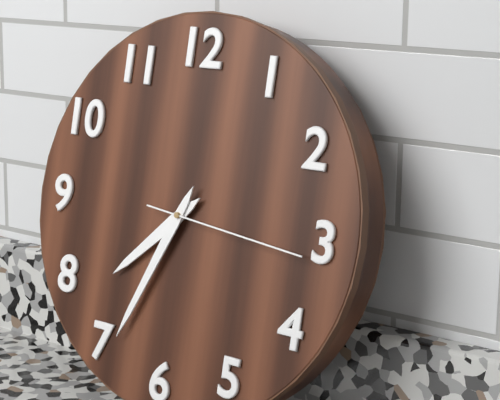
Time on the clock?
7:34:16
